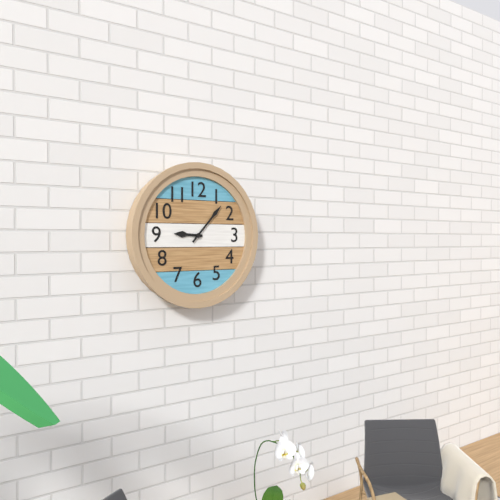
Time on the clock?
9:07
